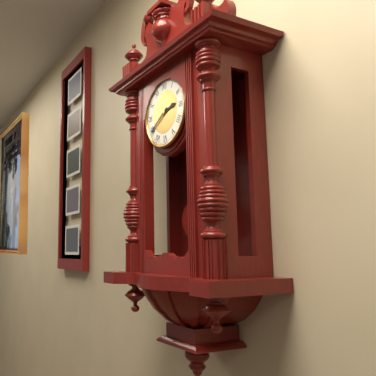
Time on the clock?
2:40
